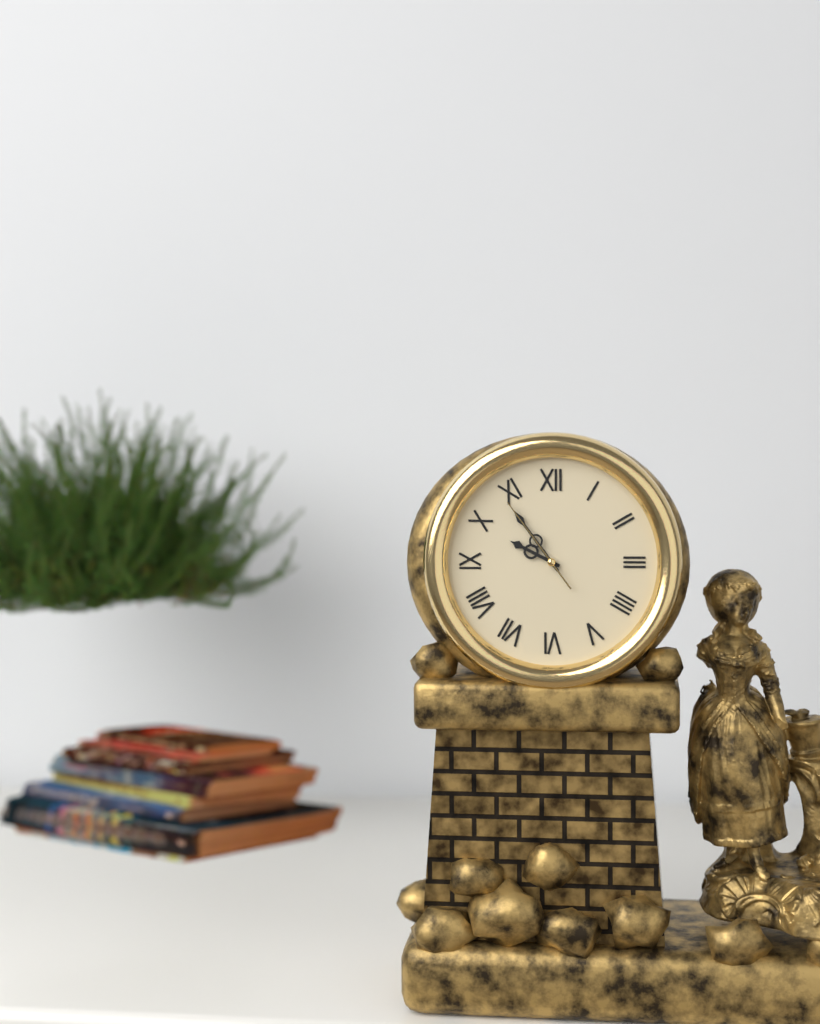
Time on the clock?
9:54:54
